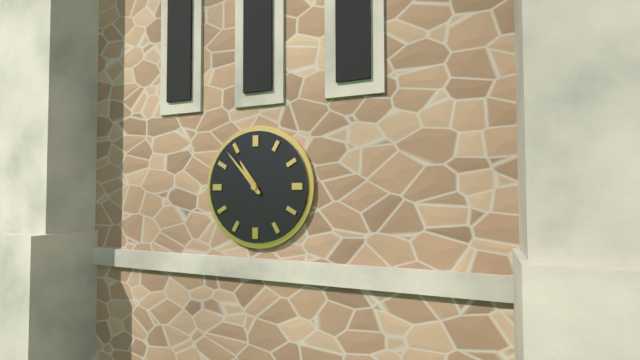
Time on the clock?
10:53
